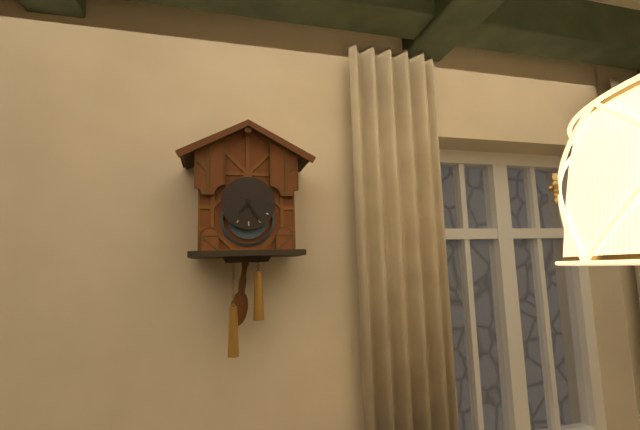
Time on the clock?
7:25
